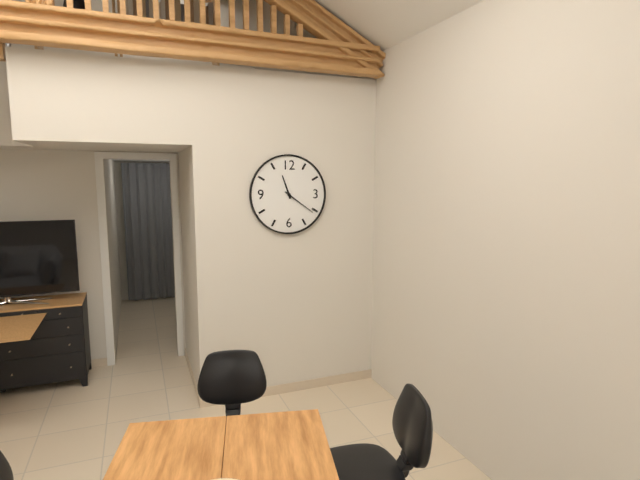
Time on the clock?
11:21
